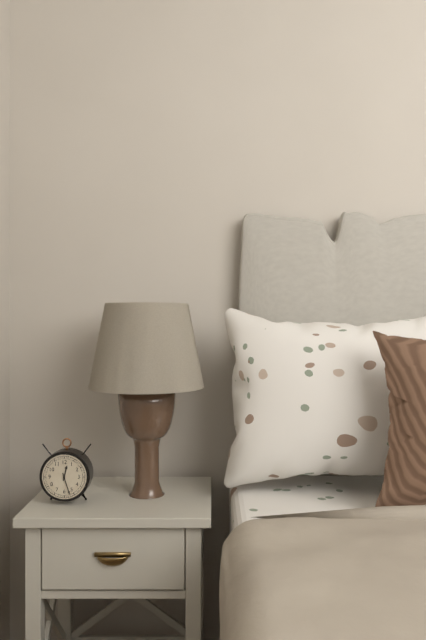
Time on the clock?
12:27
